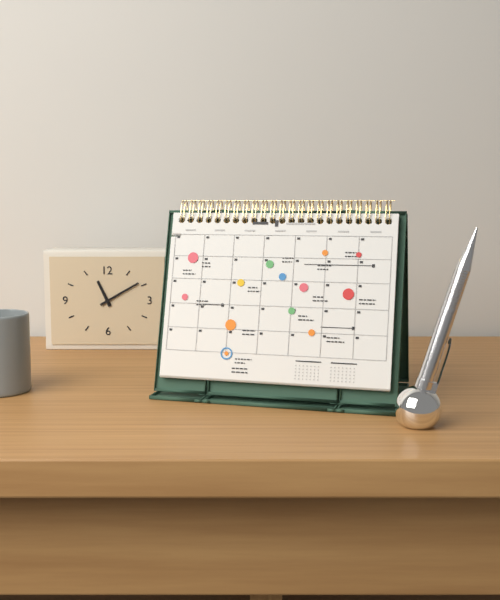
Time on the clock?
11:10
